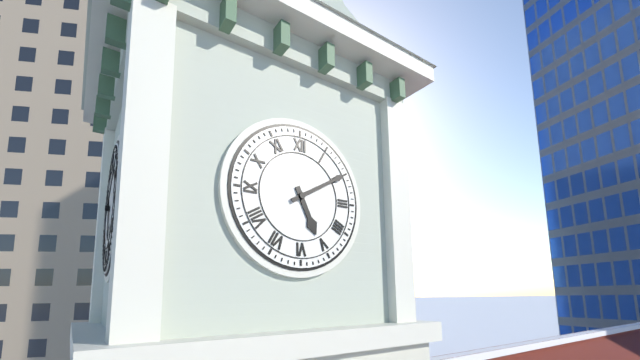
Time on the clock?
5:10
